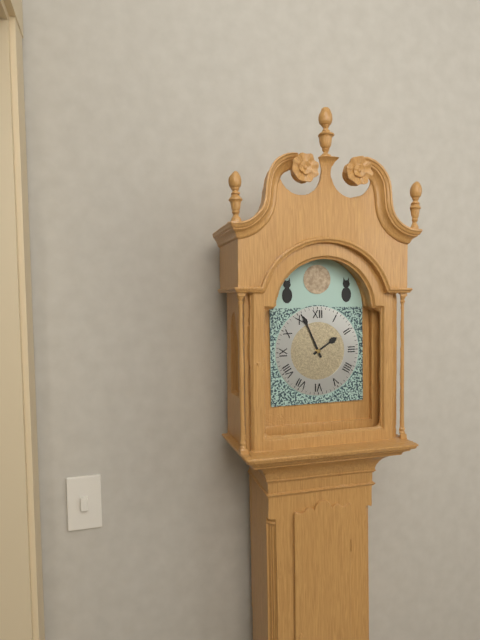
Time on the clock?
1:56
